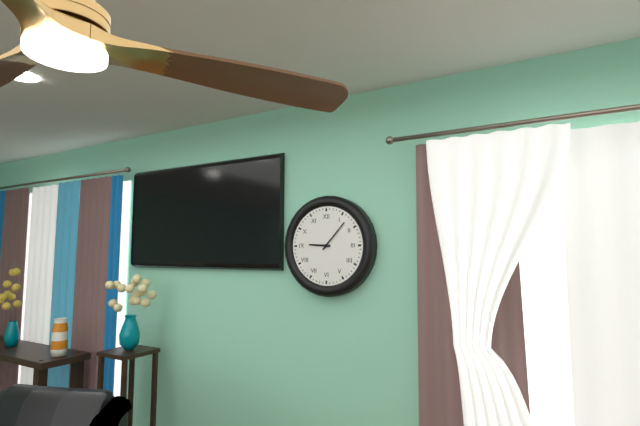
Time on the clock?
9:07
